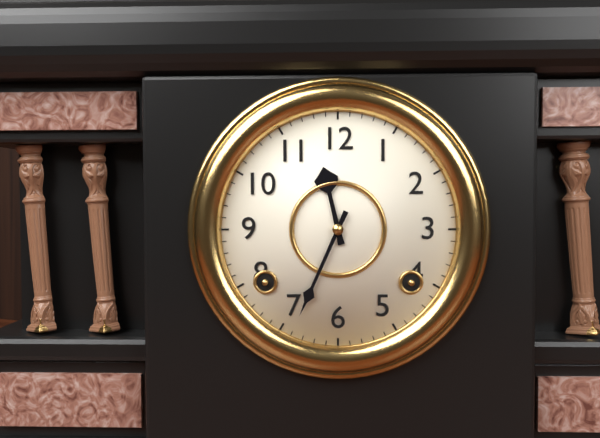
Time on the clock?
11:34
